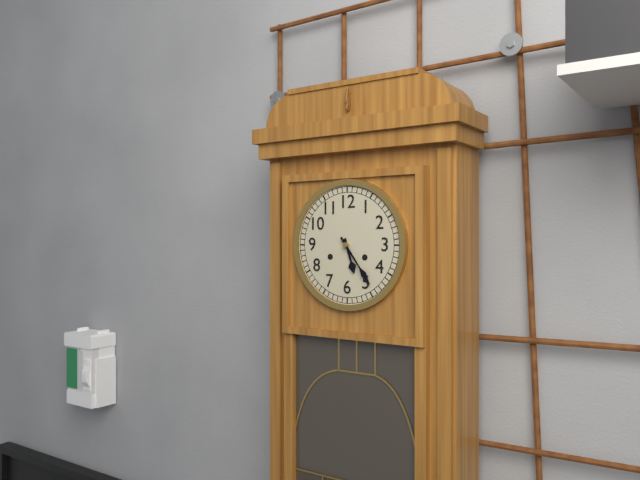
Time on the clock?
5:24
